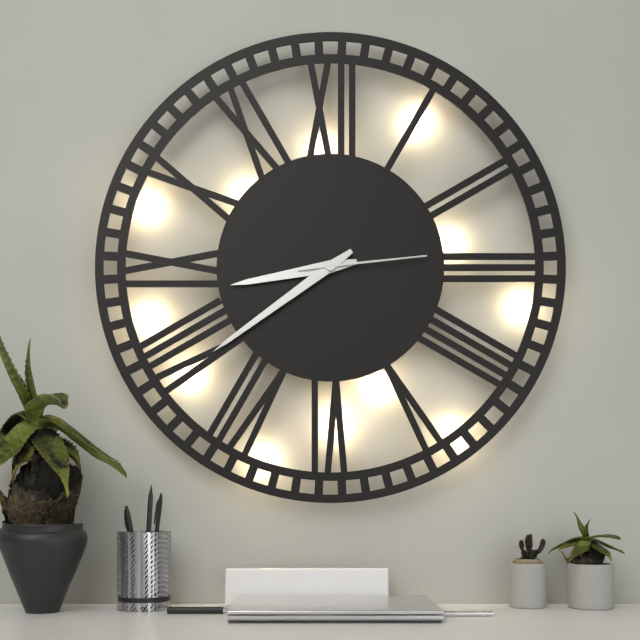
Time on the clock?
8:39:14
